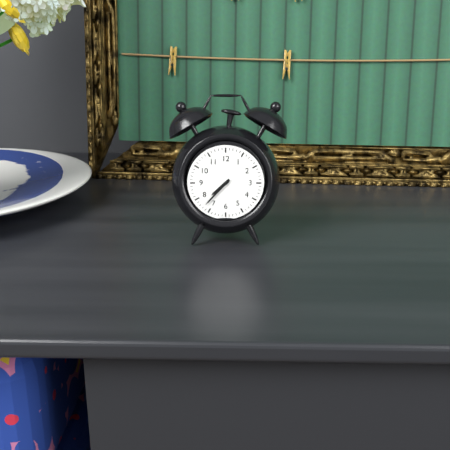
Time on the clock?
7:37
